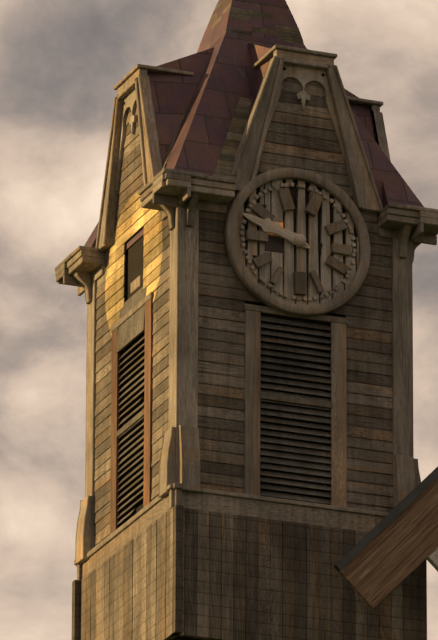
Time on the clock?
9:48
